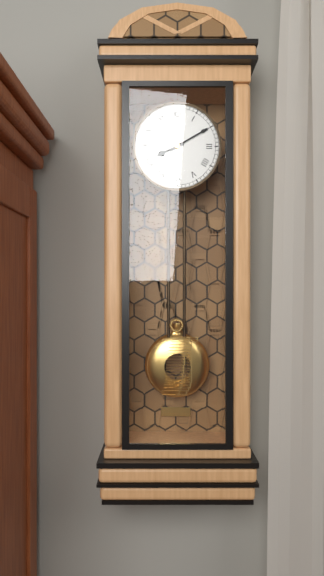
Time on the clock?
8:10
